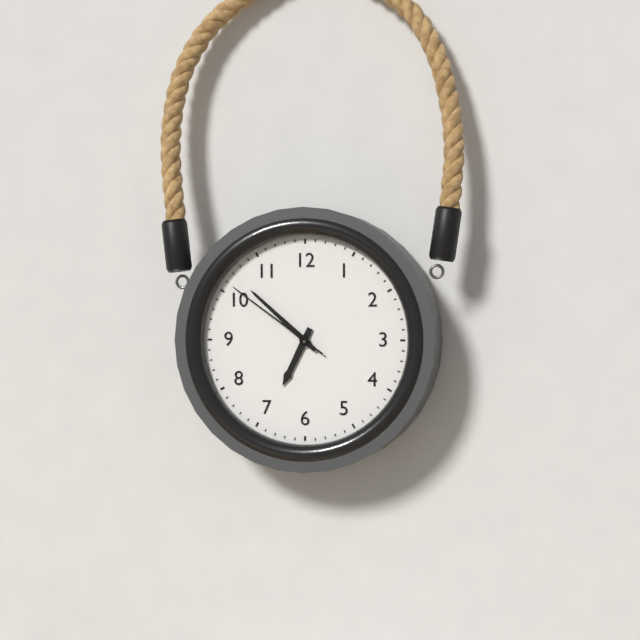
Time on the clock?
6:52:51
